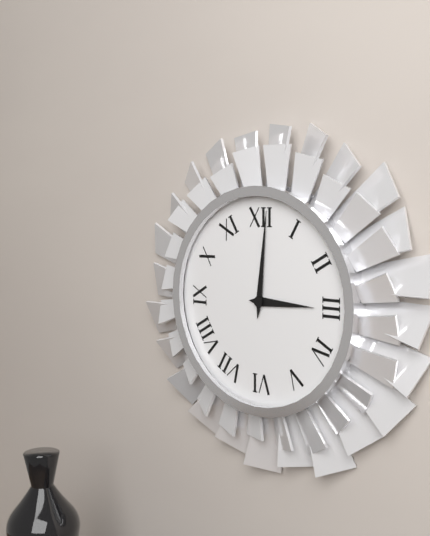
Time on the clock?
3:01
